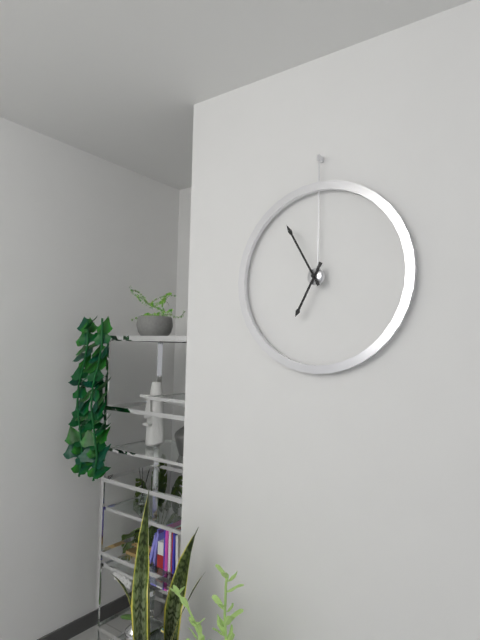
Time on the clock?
6:55
